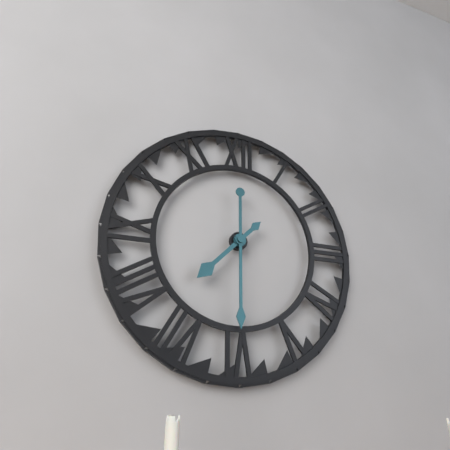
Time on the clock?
7:30
